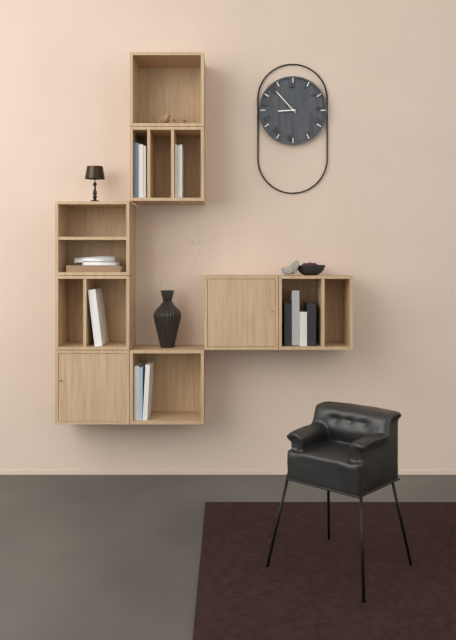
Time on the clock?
8:53
